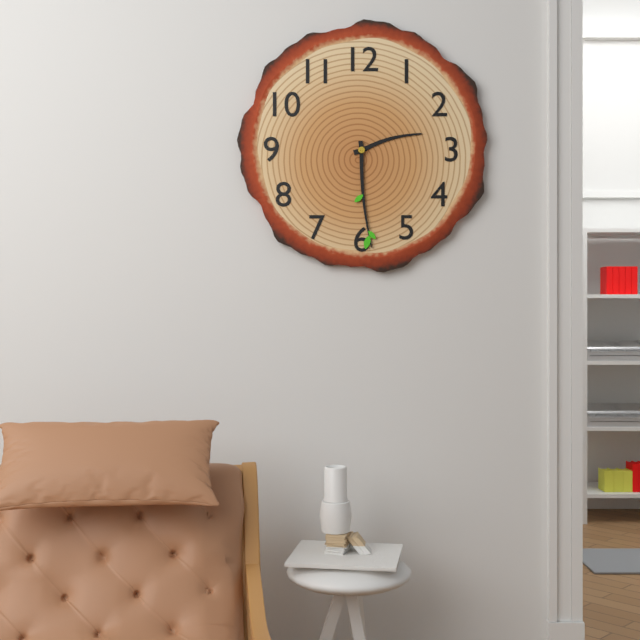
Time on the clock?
2:29
